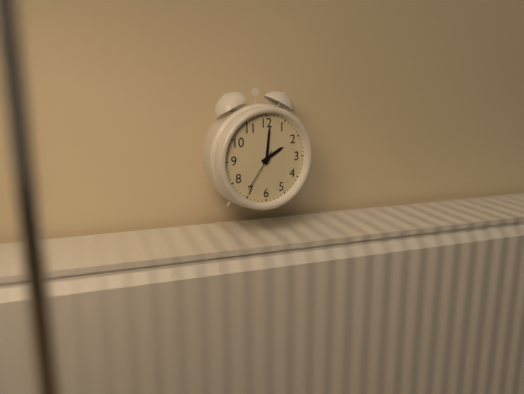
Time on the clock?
2:01
